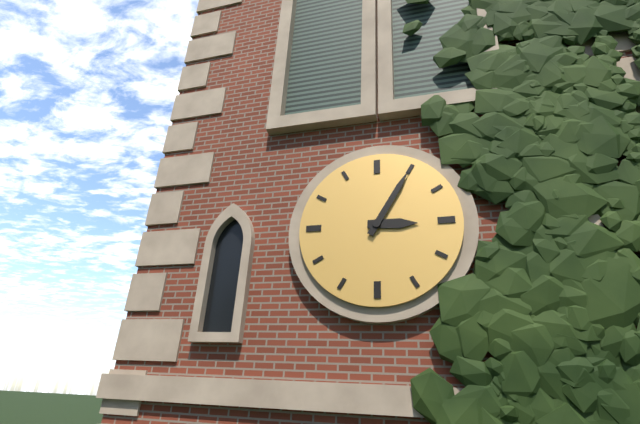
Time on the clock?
3:05
